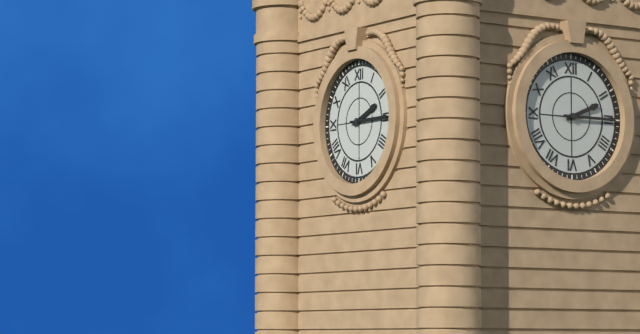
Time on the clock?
2:15
